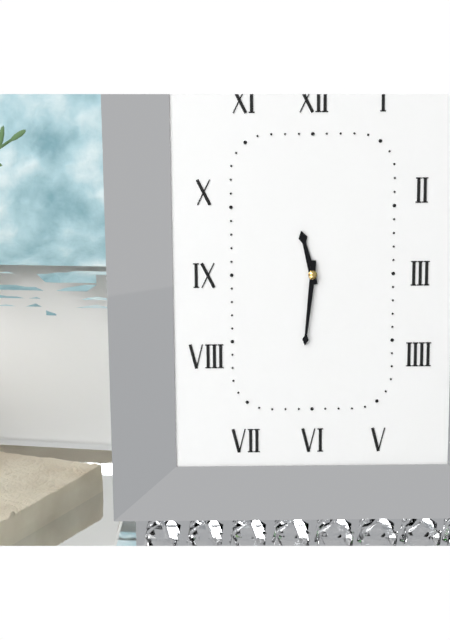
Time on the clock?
11:31
